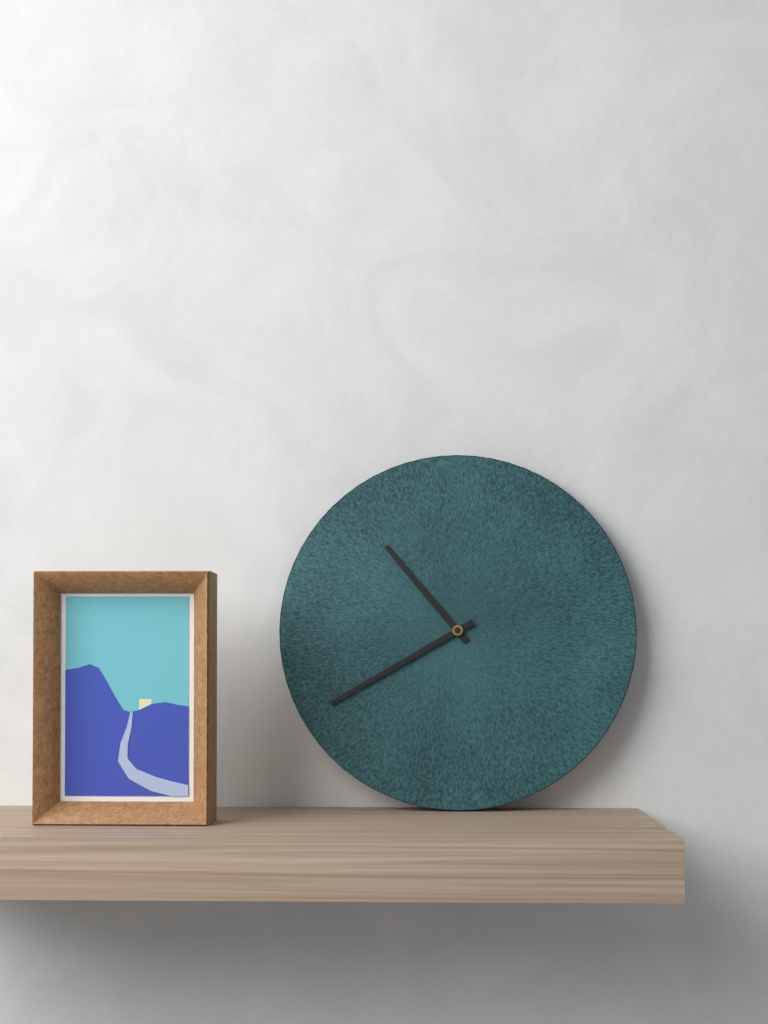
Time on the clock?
10:40
